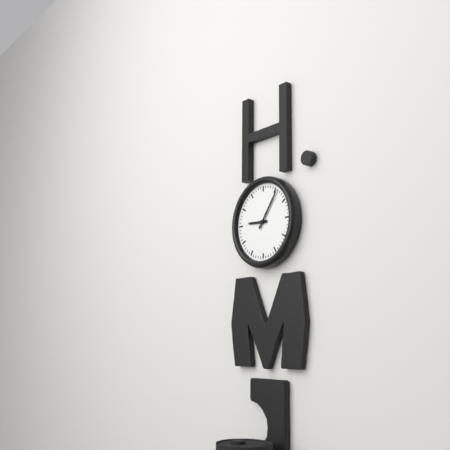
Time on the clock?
9:06
